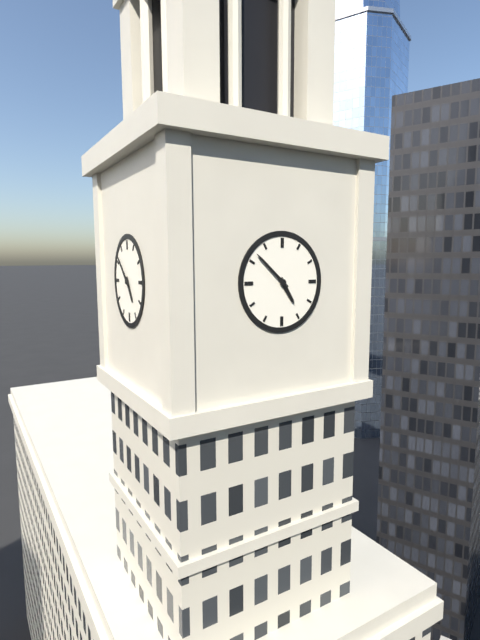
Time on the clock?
4:52
